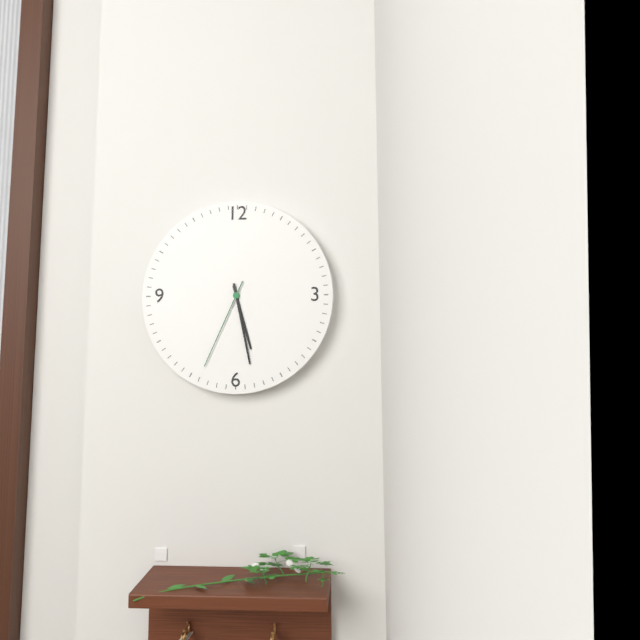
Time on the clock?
5:28:34
